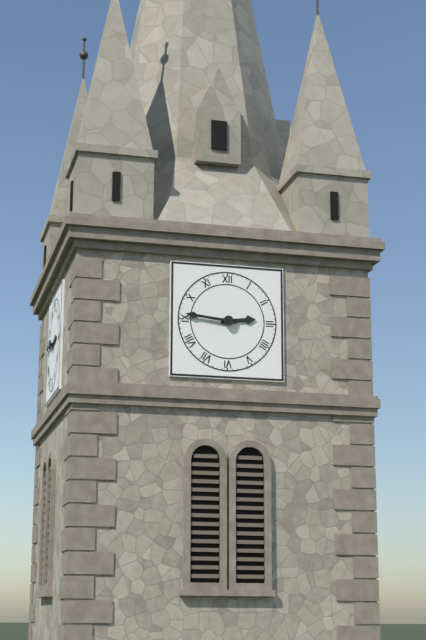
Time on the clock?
2:46
